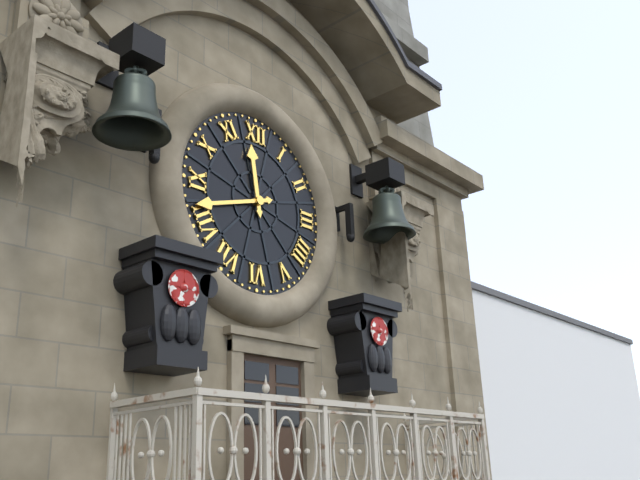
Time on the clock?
11:42
